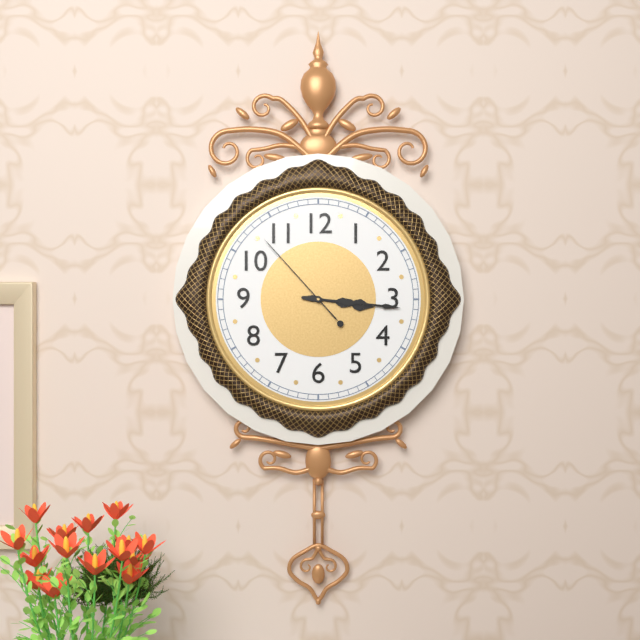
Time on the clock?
3:16:53
